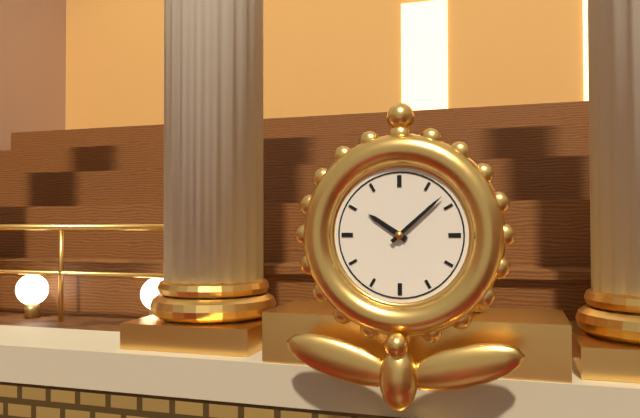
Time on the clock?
10:08
